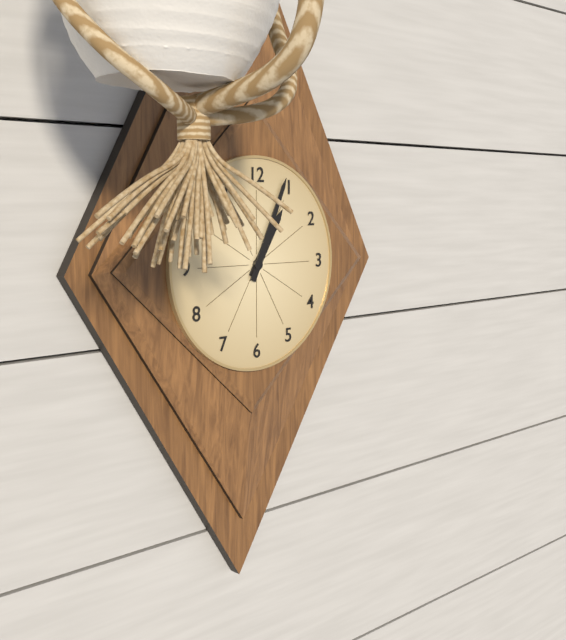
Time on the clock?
1:04
